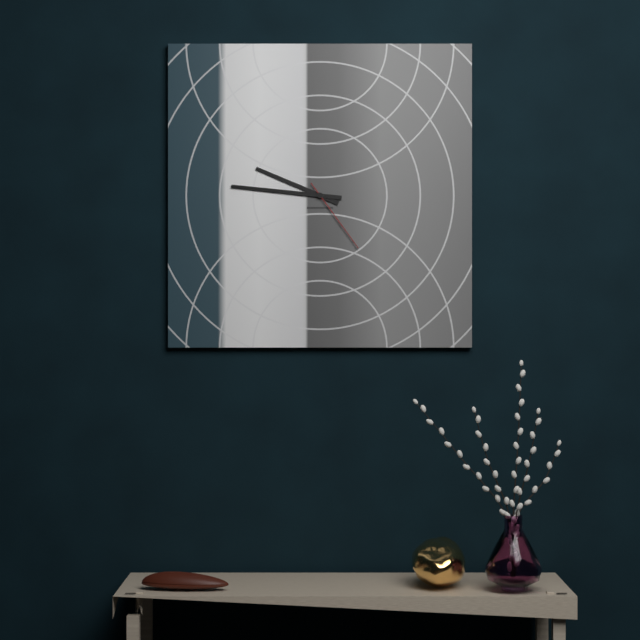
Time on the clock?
9:46:24
